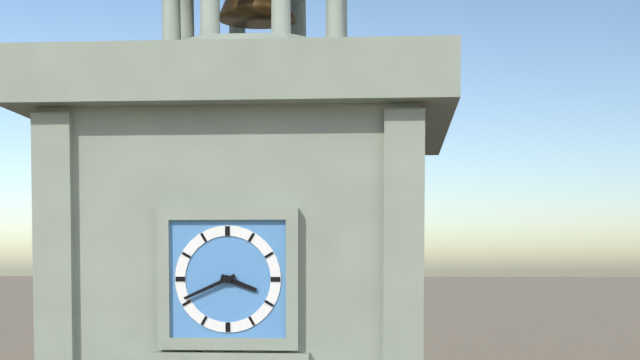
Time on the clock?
3:41
